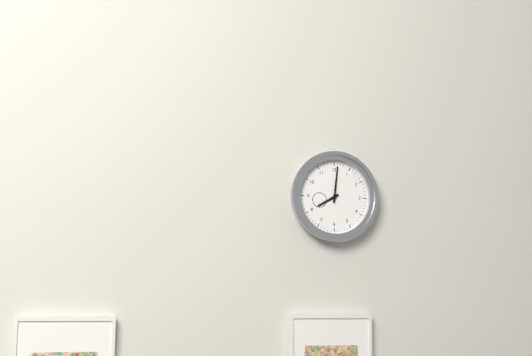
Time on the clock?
8:01
